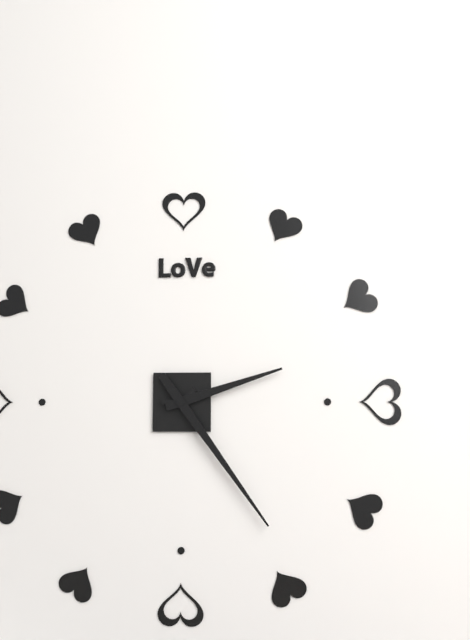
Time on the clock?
2:24
